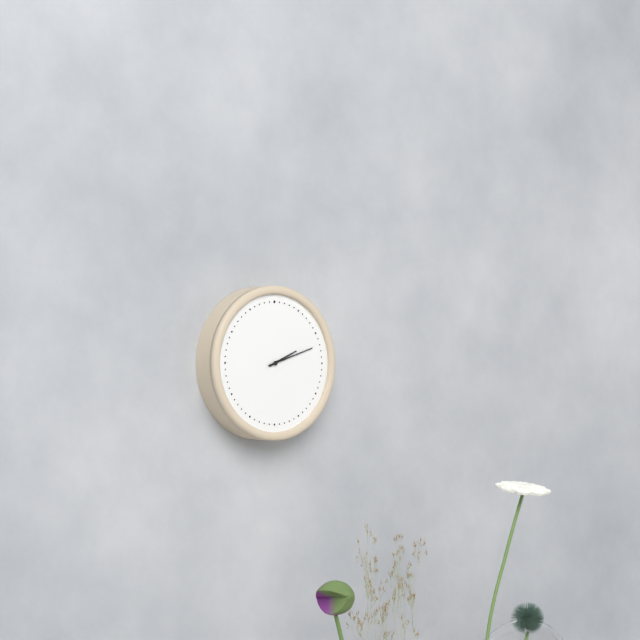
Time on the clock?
2:12
